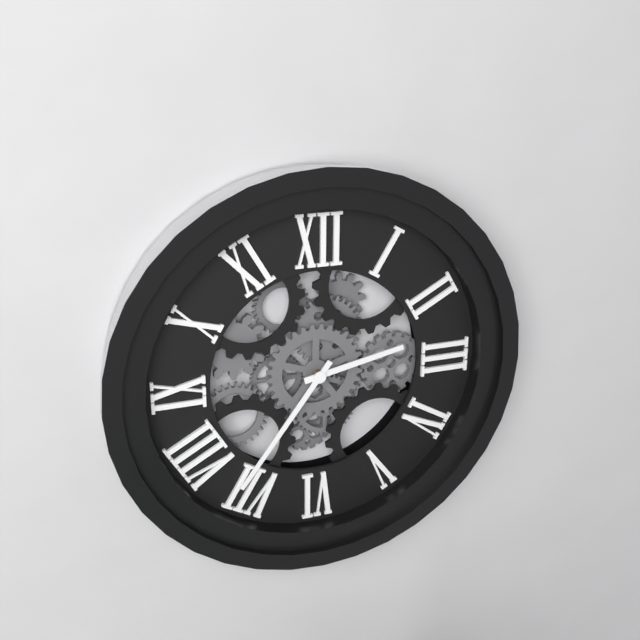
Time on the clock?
2:36
